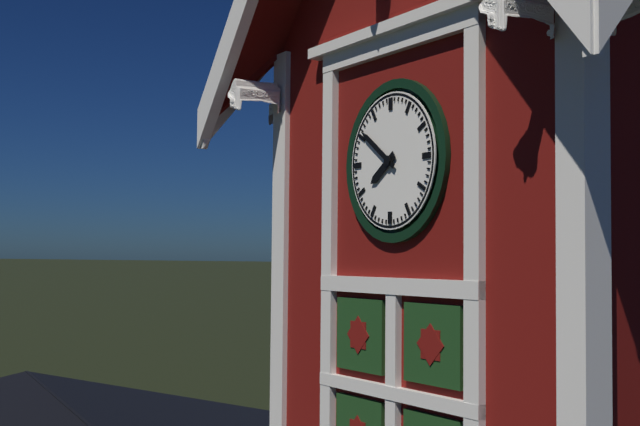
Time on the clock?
7:51
